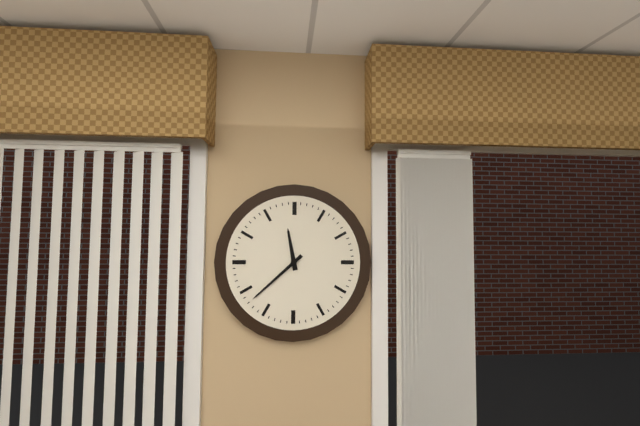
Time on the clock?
11:38
